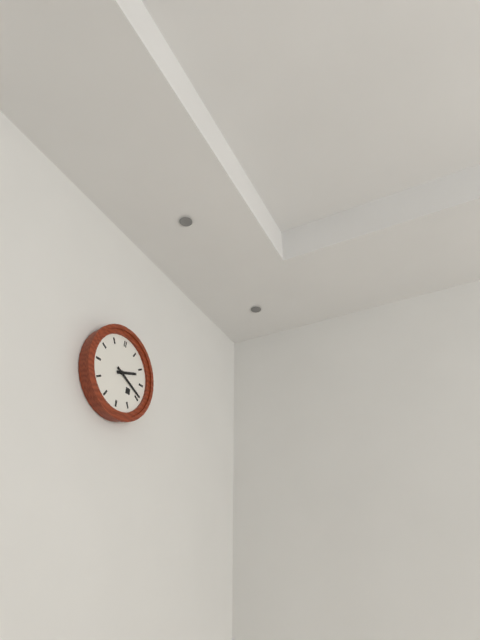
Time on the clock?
2:19
